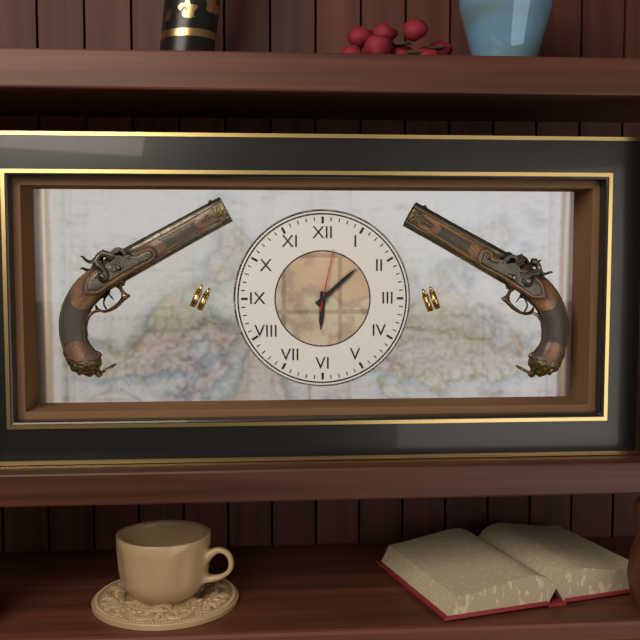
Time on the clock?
6:08:02
